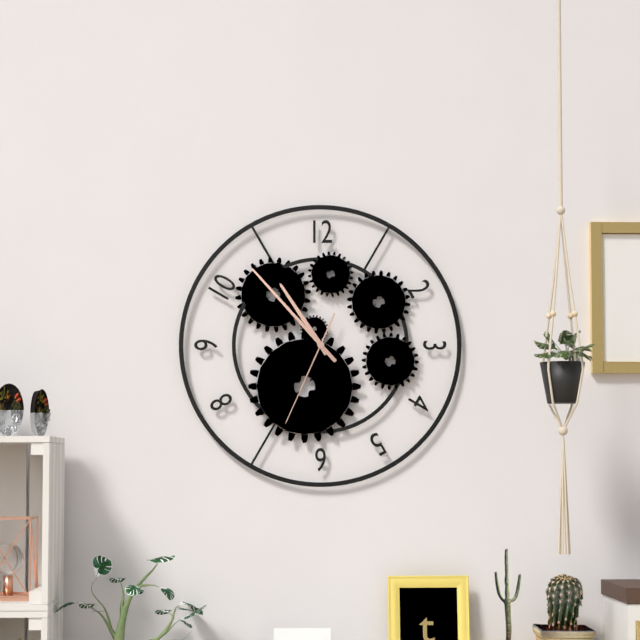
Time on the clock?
10:53:34
